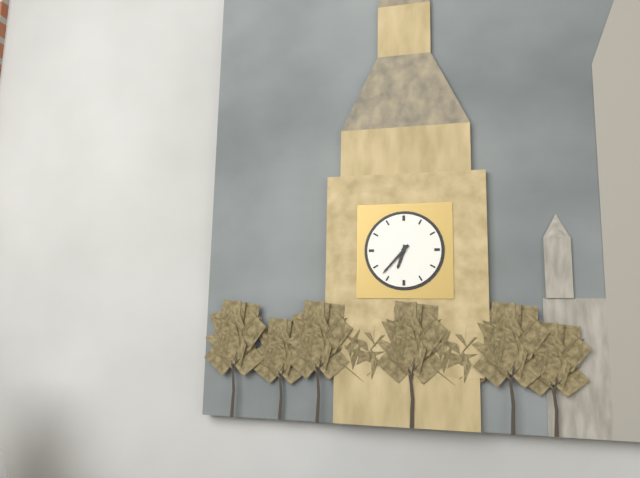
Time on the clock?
6:37
